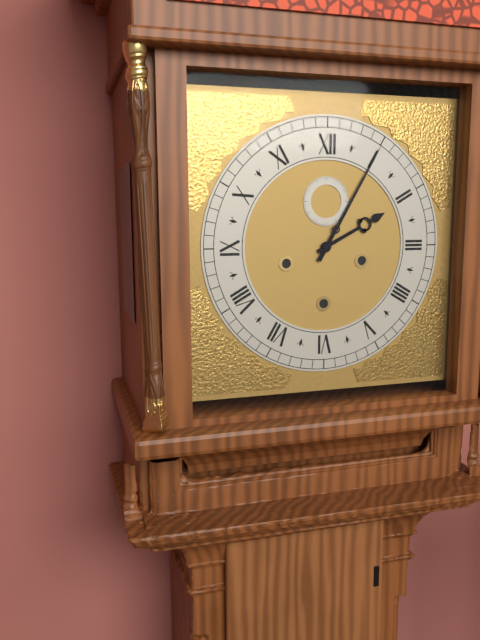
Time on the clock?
2:05
